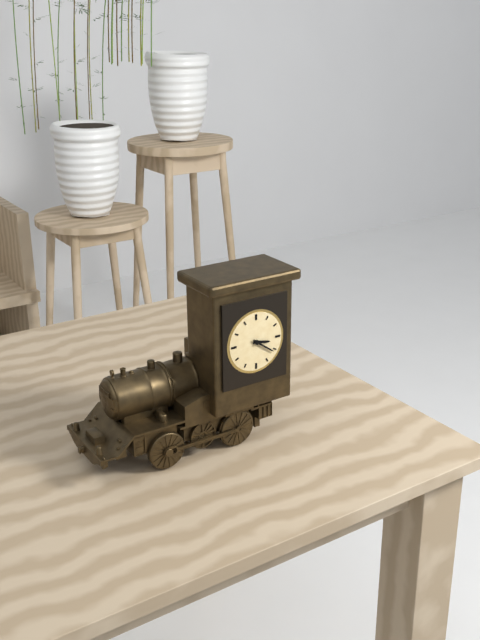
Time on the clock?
3:21
